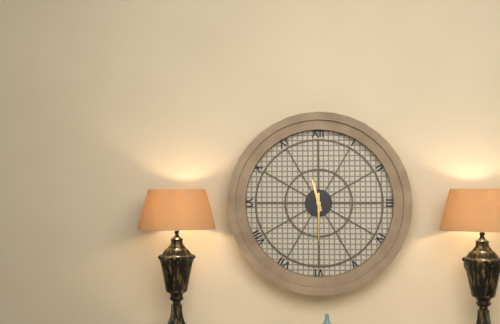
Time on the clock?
11:30
